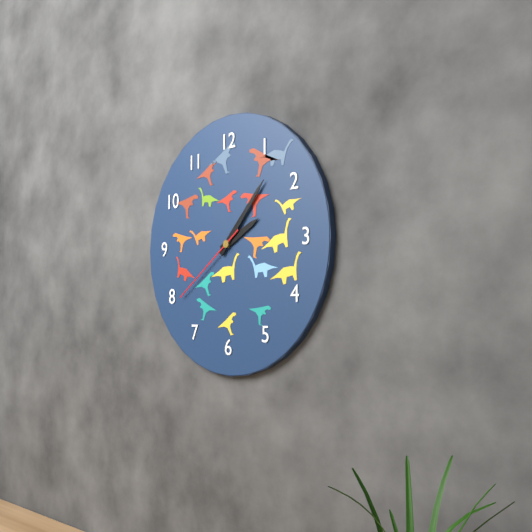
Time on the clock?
2:07:39
